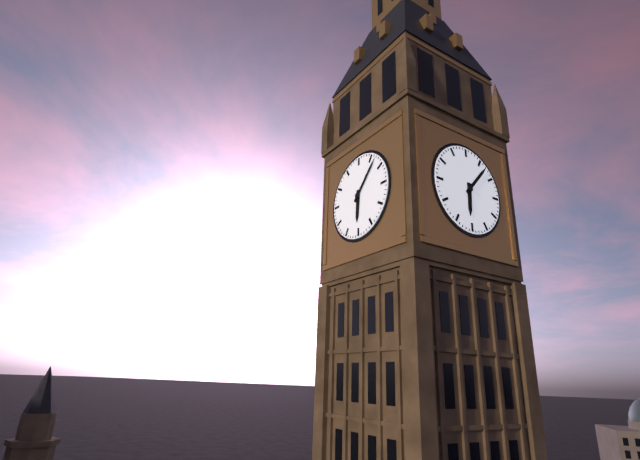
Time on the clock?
6:07
